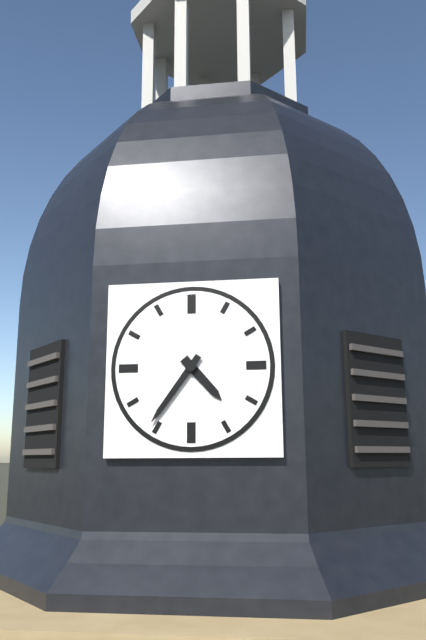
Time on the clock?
4:36
